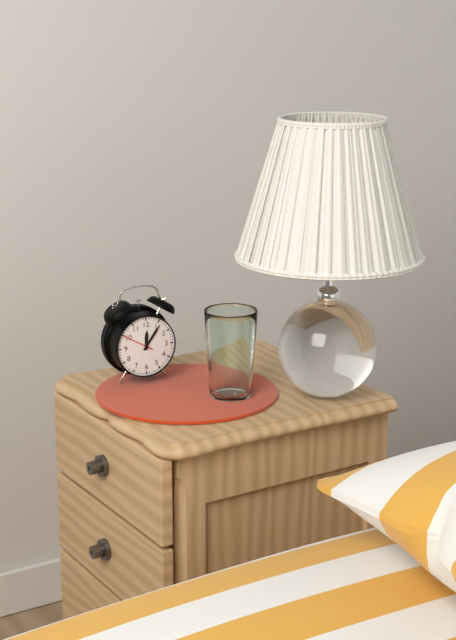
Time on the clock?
12:06
